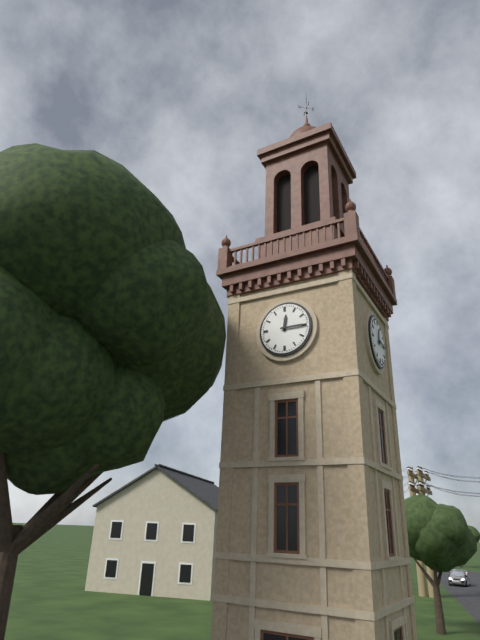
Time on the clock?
12:15
